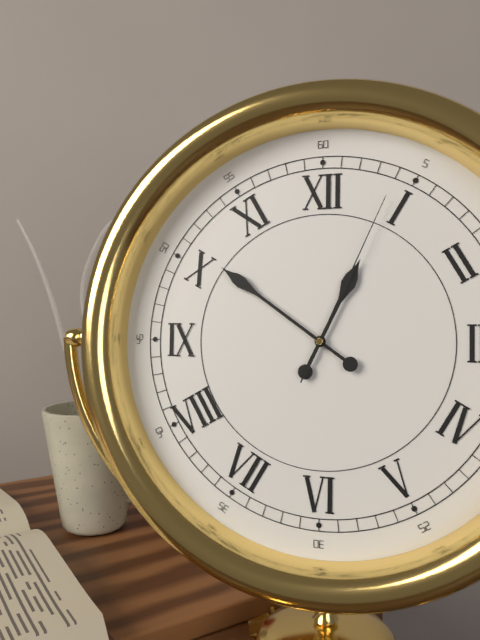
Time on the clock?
12:51:04
